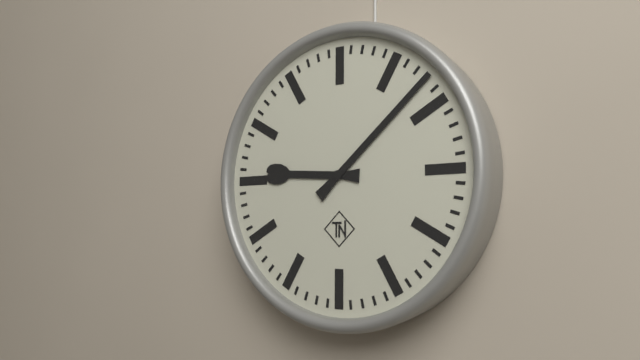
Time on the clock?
9:08
